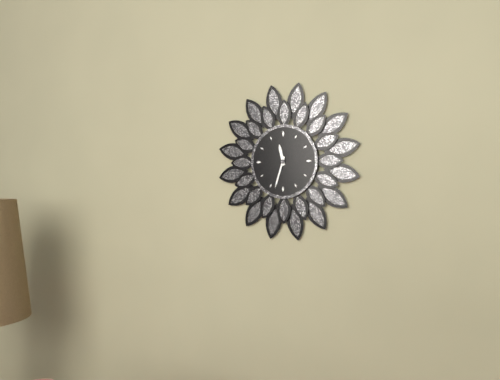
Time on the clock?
11:33
